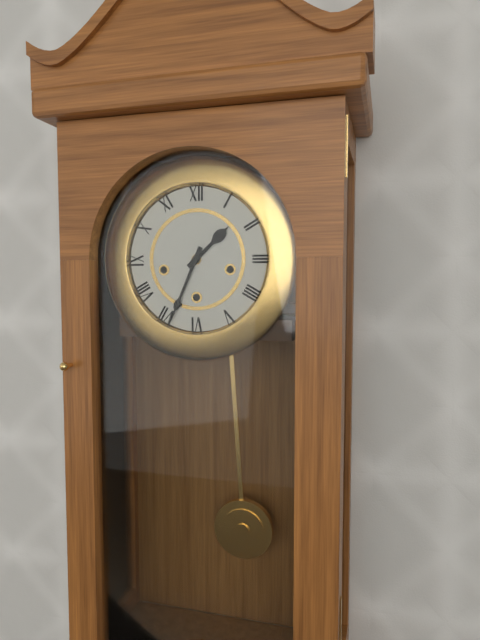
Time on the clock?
1:34
